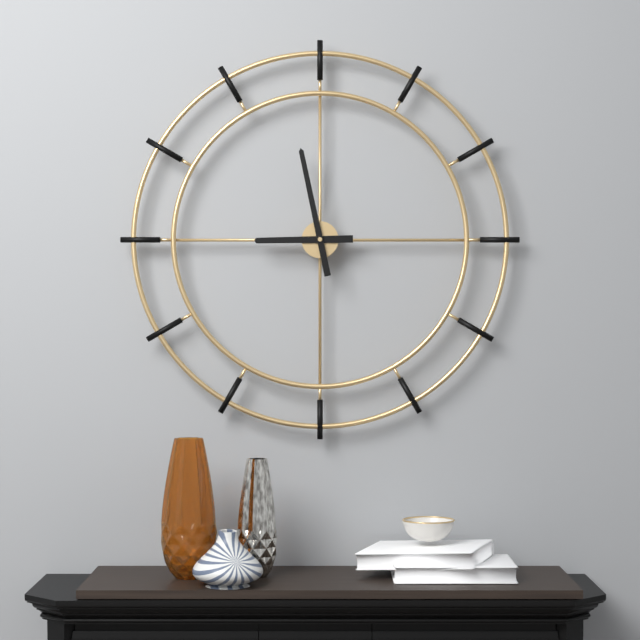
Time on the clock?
8:58
